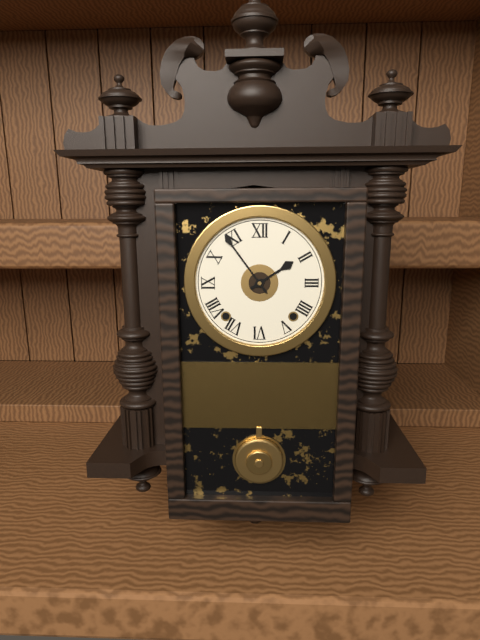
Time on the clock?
1:54
